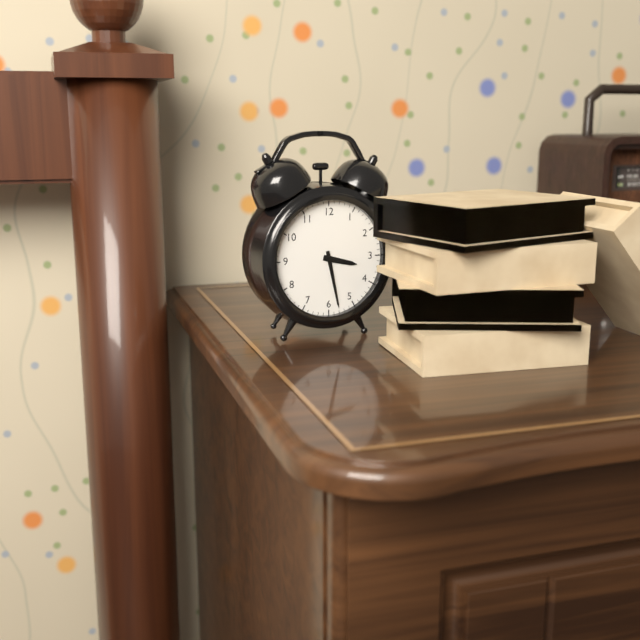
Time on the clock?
3:28
